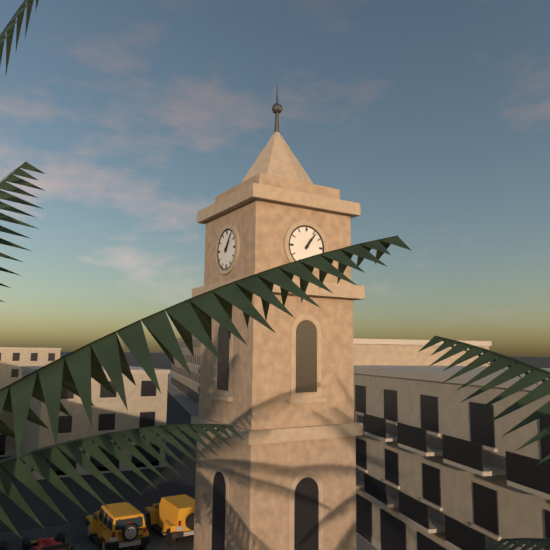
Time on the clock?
1:06
